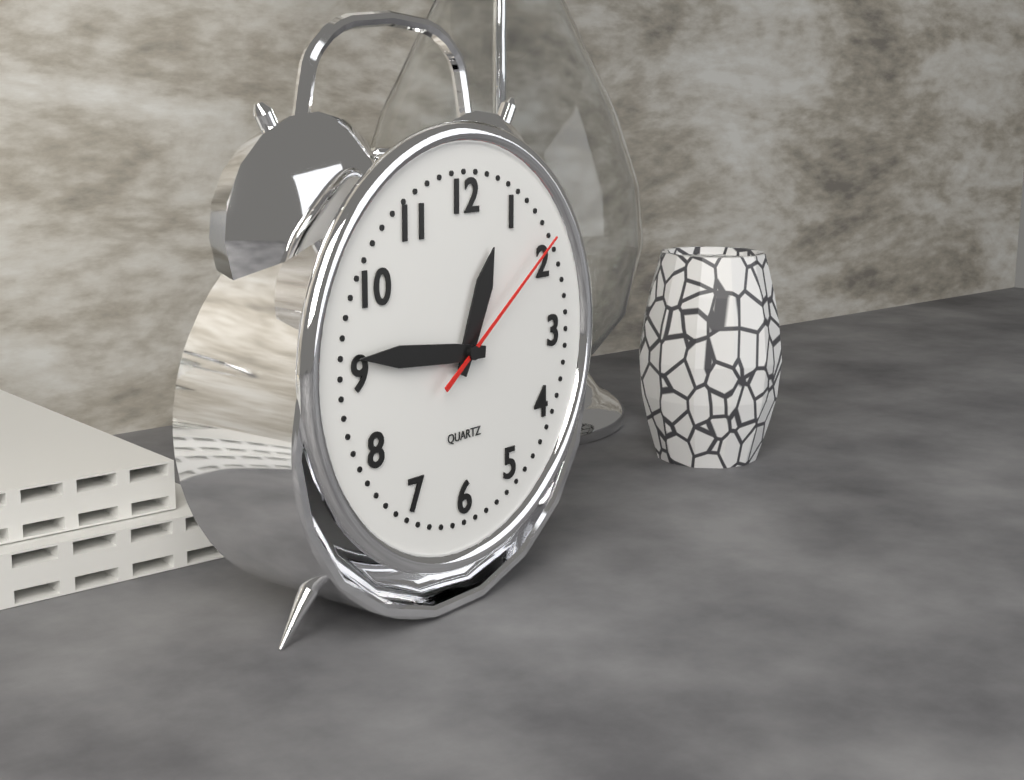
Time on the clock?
12:46:09
